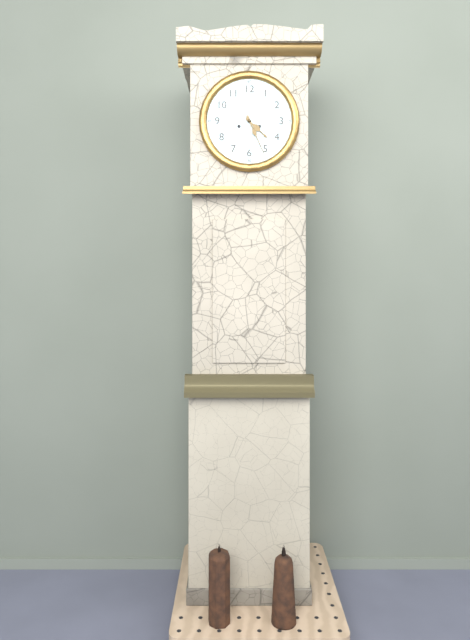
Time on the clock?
4:26
